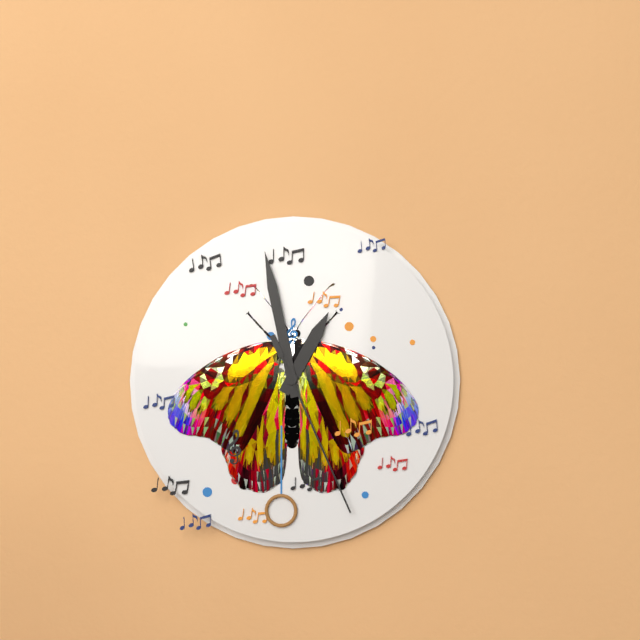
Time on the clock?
12:58:26
